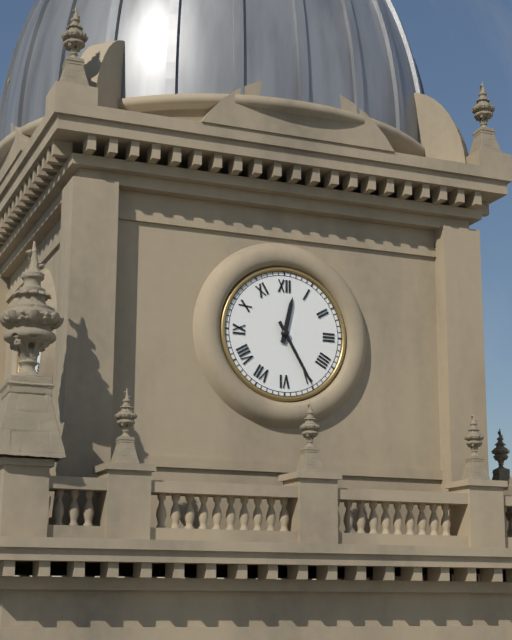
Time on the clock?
12:25
